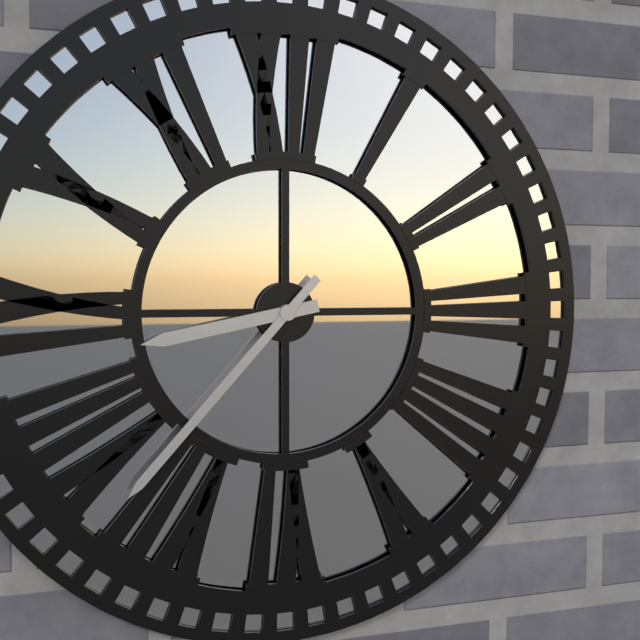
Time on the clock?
8:37
